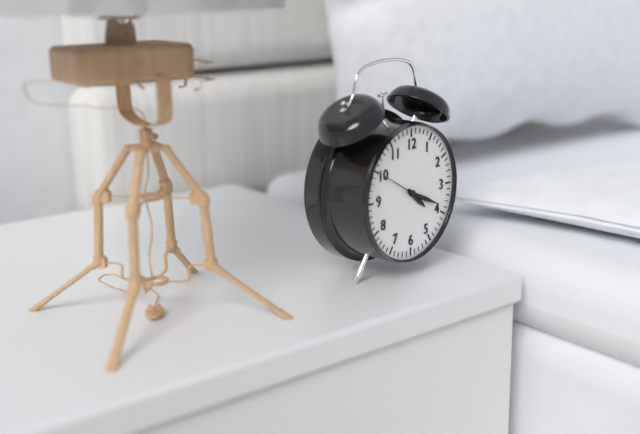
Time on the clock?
4:19
